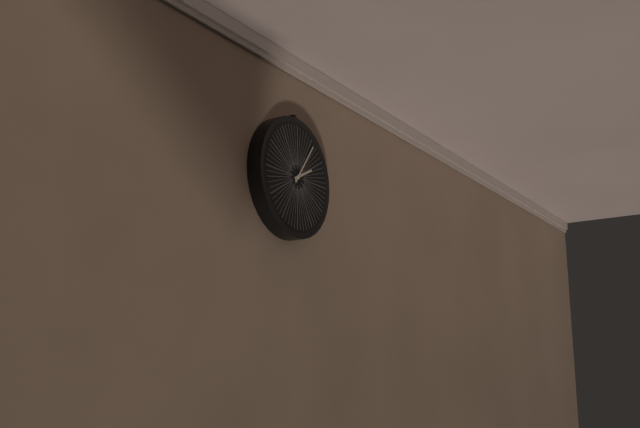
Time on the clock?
2:06
